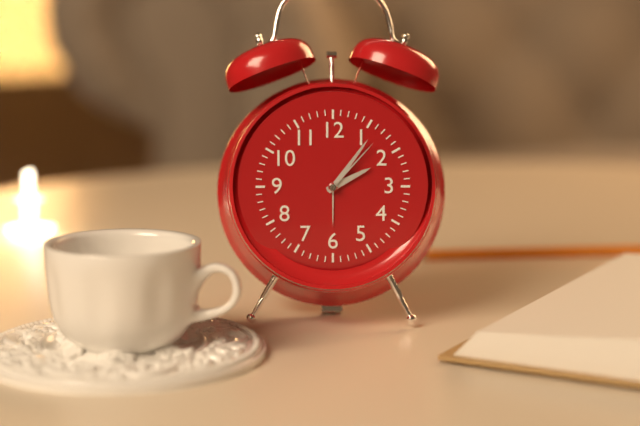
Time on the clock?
2:06:07
